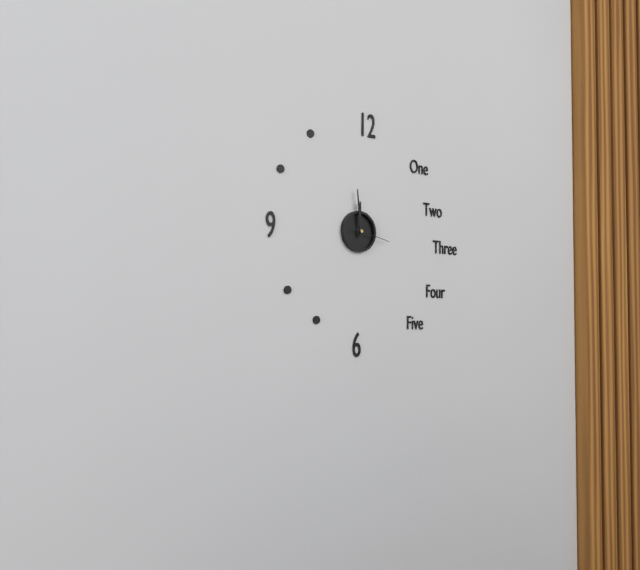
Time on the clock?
11:59
